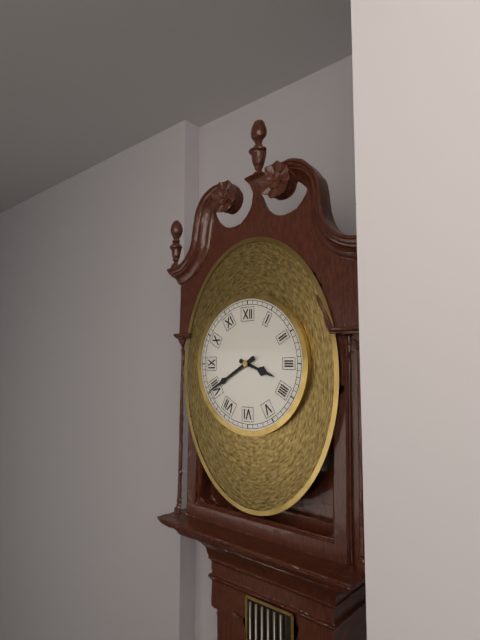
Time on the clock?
3:40
